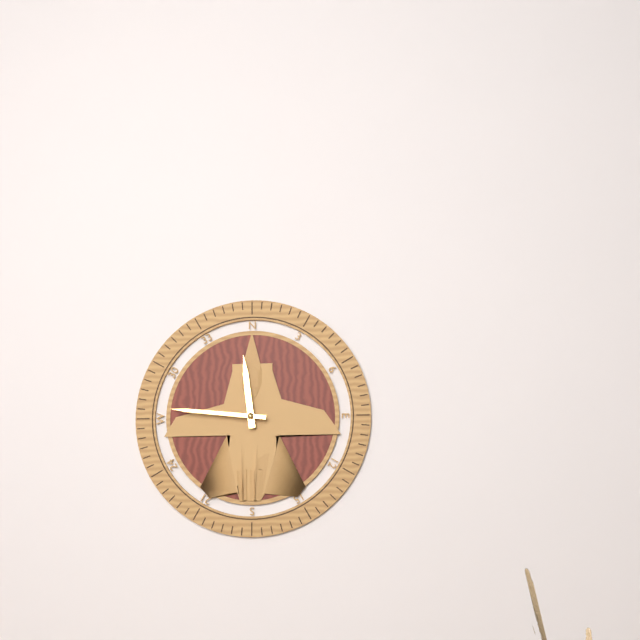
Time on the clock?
11:46
